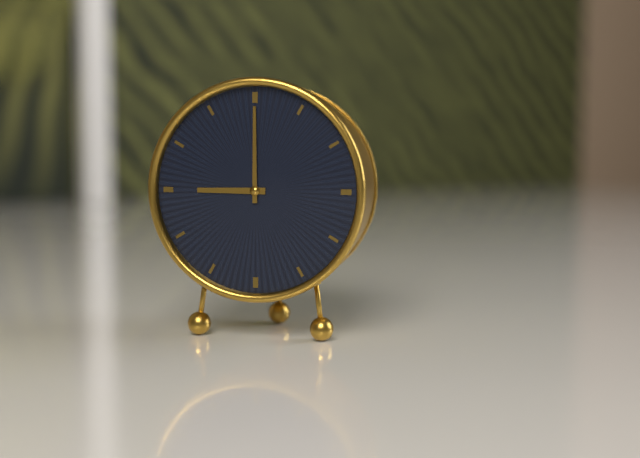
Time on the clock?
9:00
